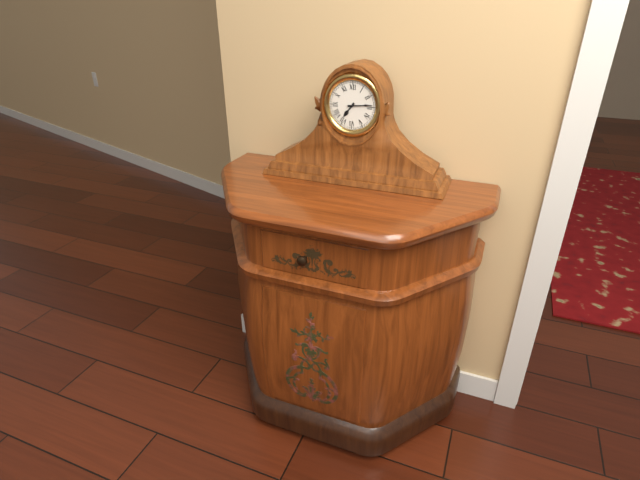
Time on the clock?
7:14
